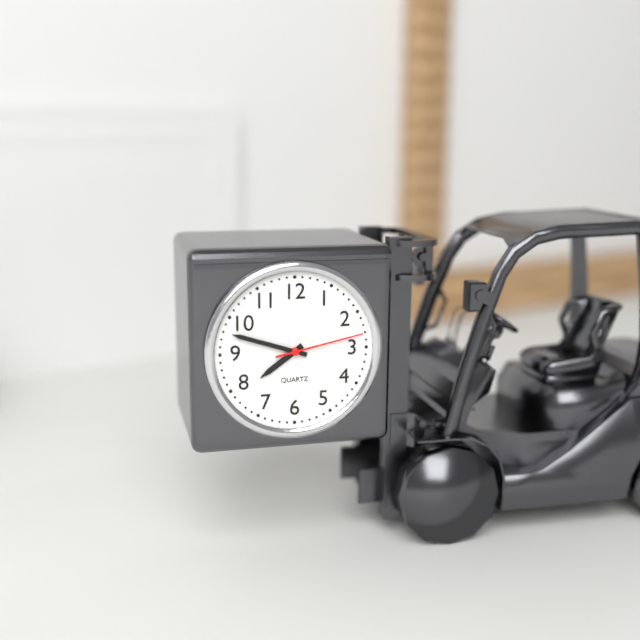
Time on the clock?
7:48:13
